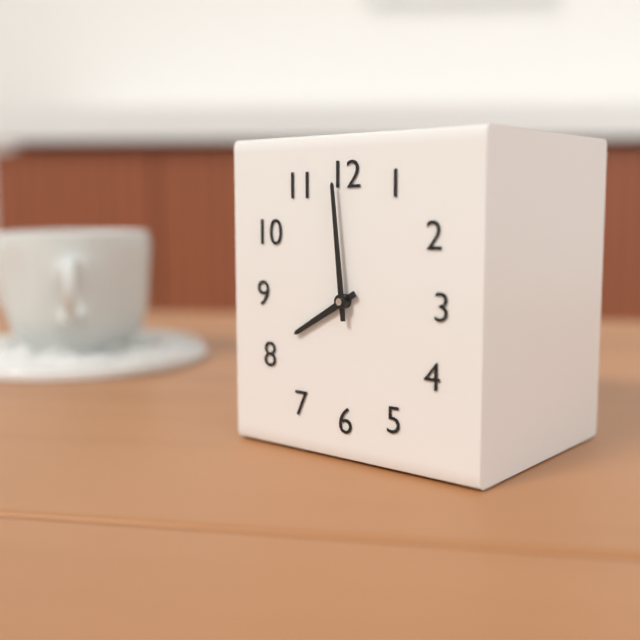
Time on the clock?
7:59
